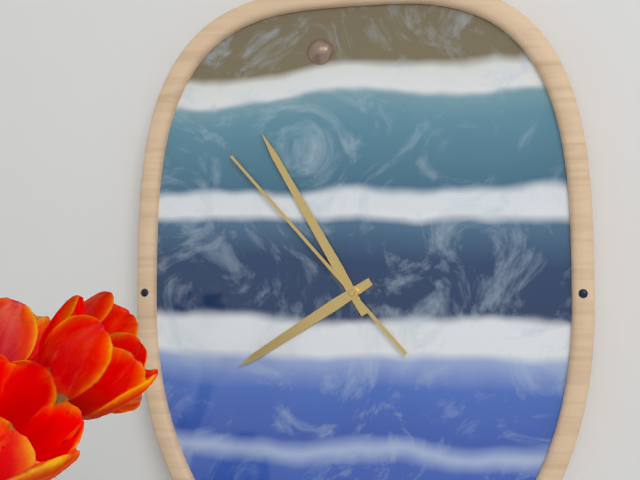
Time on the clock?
7:55:53
